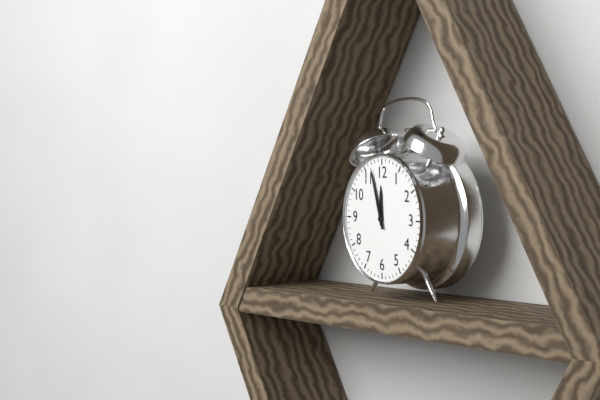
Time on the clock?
11:57
